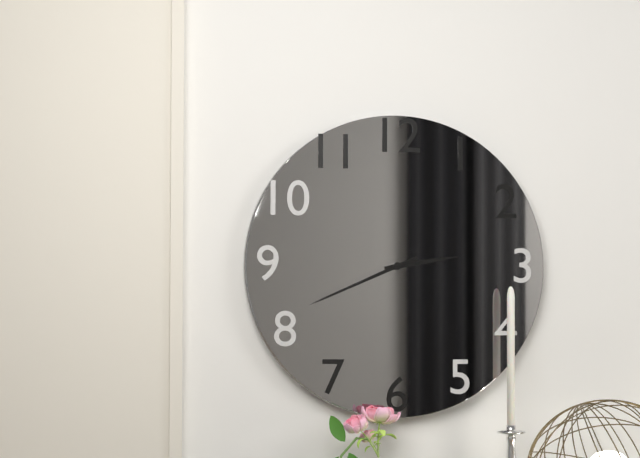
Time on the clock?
2:41
